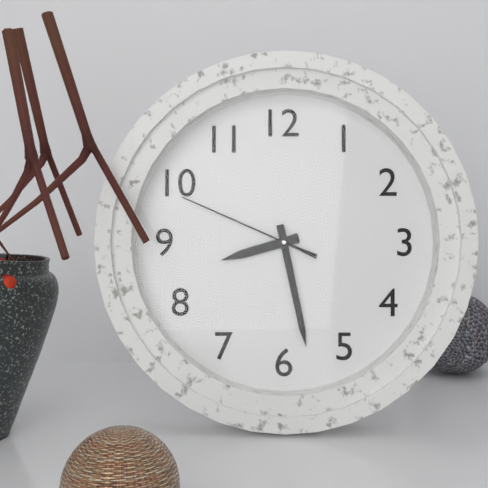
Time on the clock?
8:28:49
